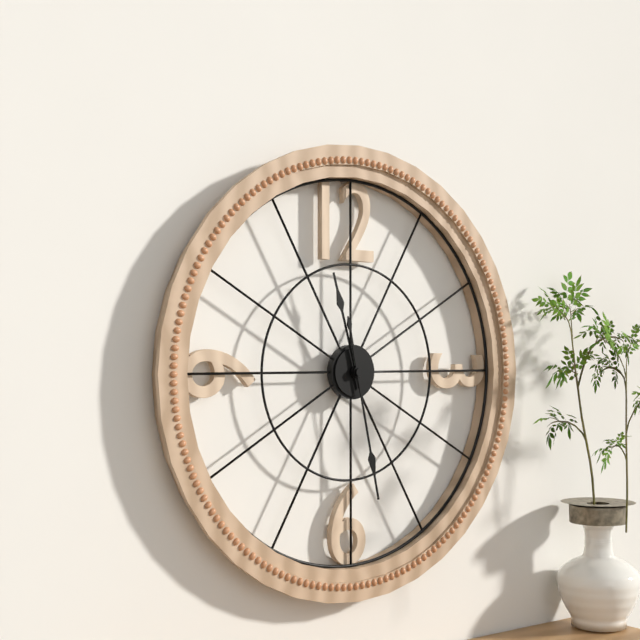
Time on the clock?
11:28
